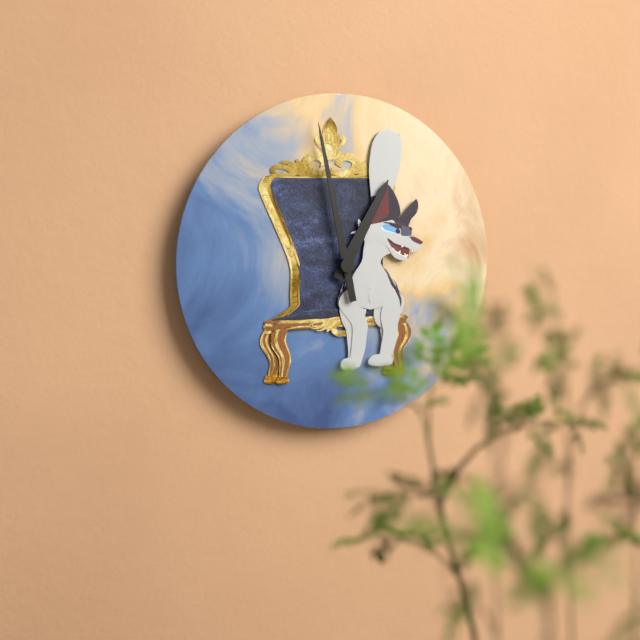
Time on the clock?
12:58
